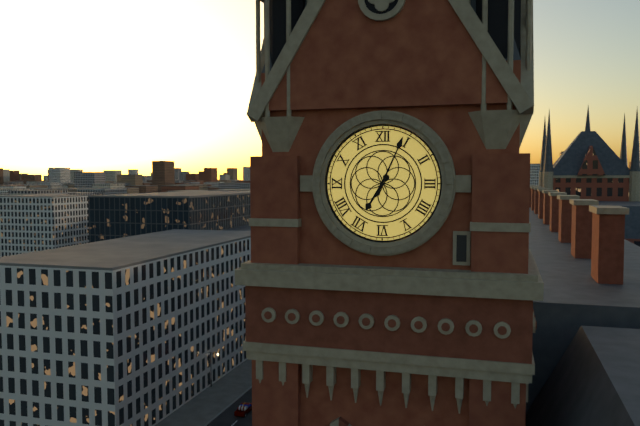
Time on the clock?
7:04
